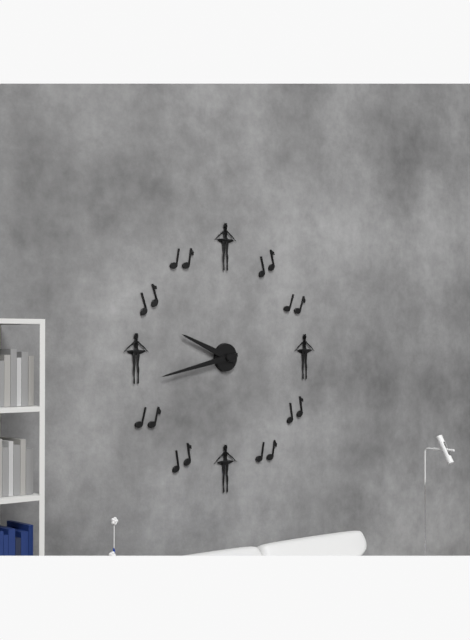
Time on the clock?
9:43
